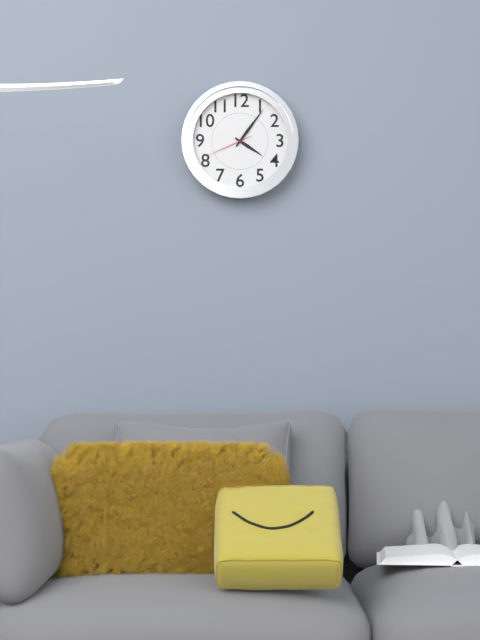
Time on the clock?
4:06
